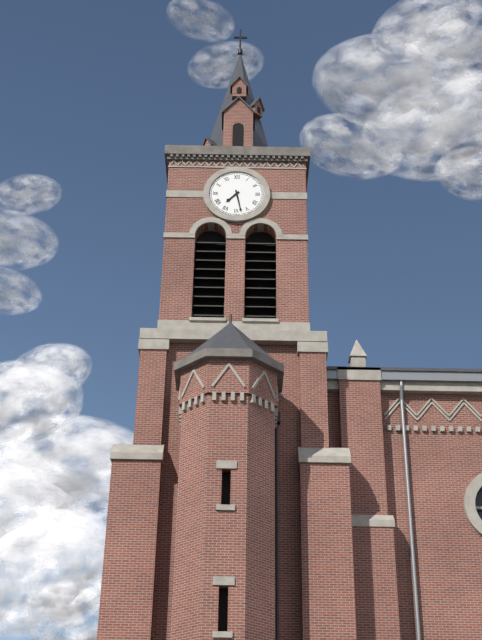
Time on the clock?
7:28
